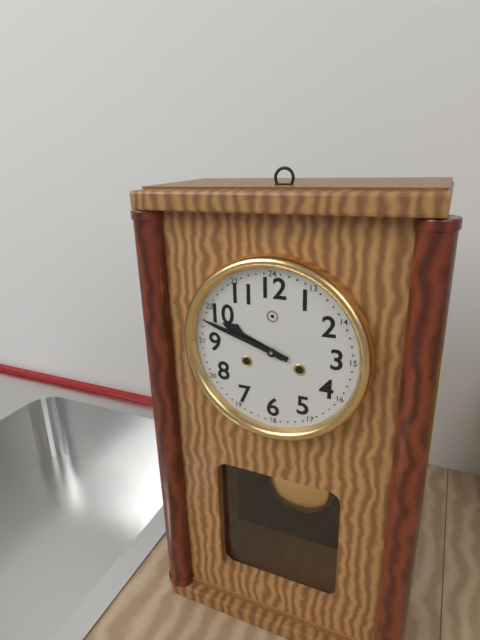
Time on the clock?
9:48
